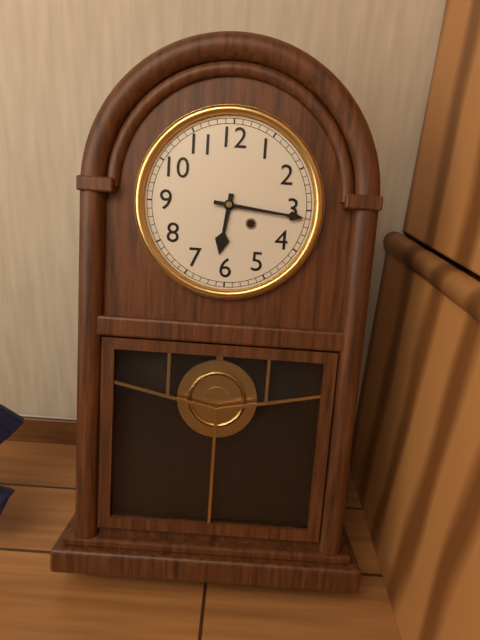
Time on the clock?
6:16
